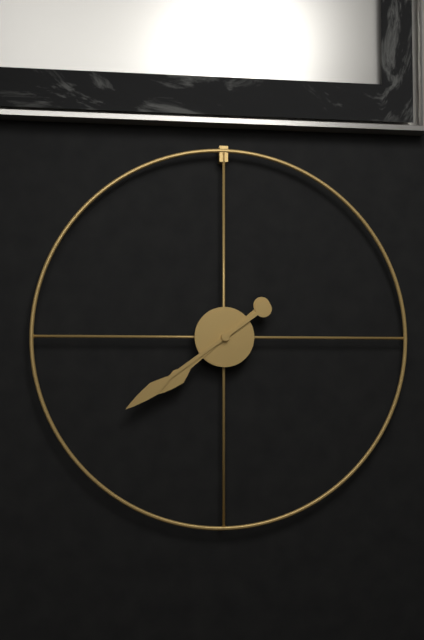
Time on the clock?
7:39
